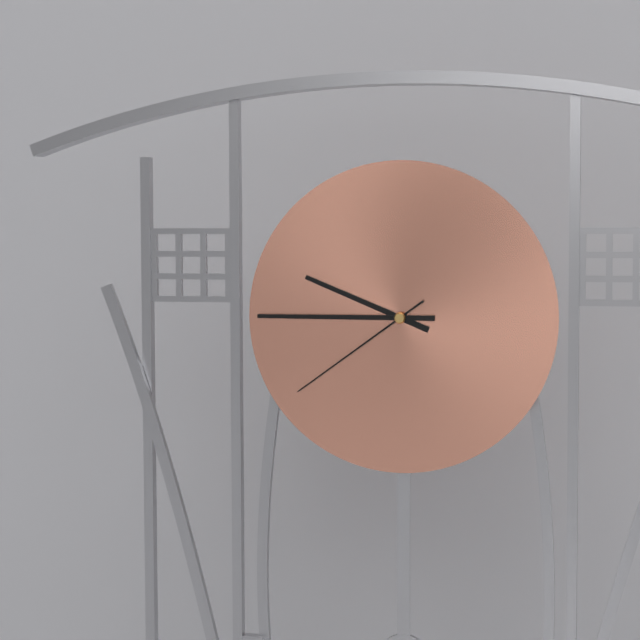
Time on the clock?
9:45:39
